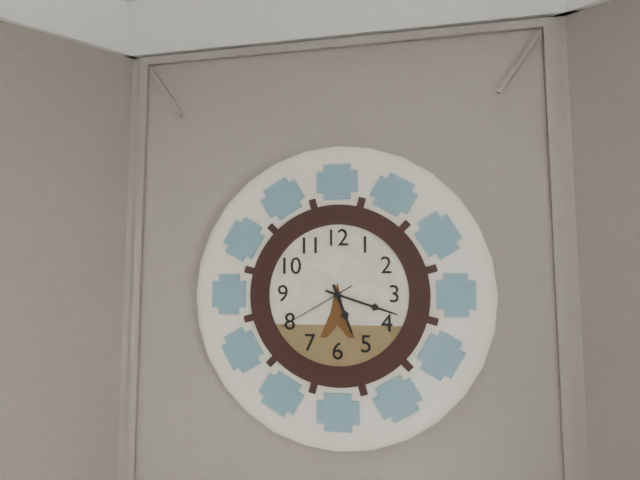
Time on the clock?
5:18:40
